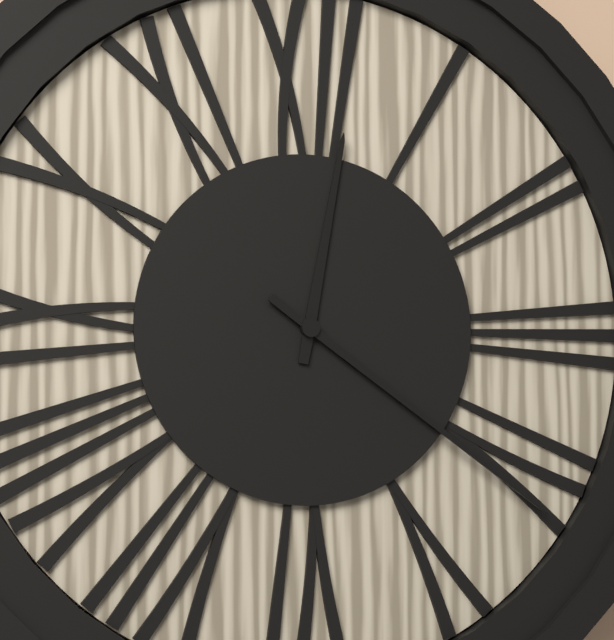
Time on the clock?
12:21
